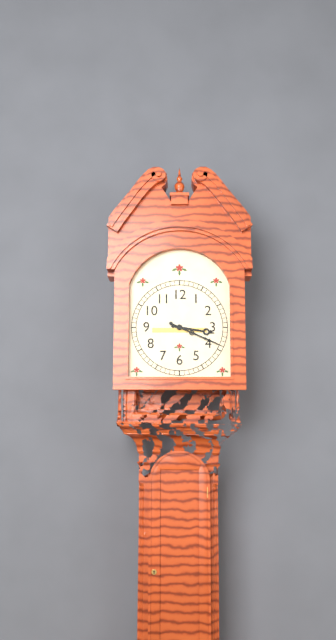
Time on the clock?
3:19
